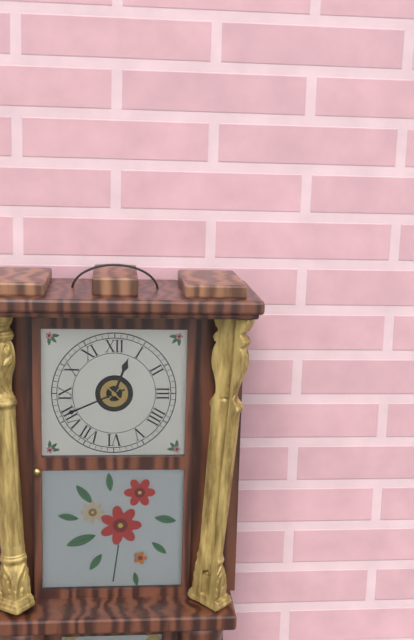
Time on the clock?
12:41
